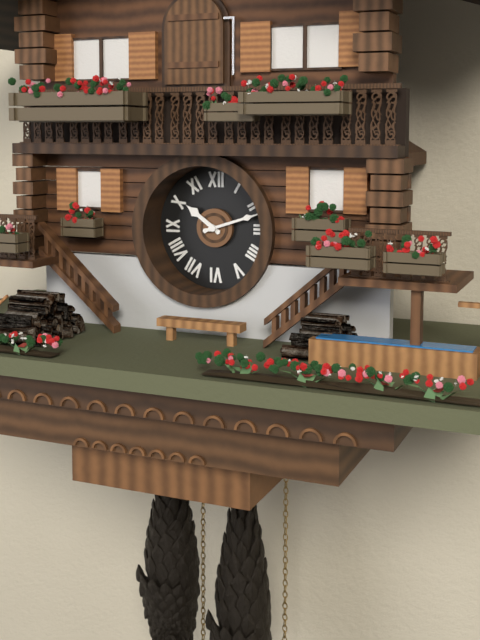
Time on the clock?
10:12
